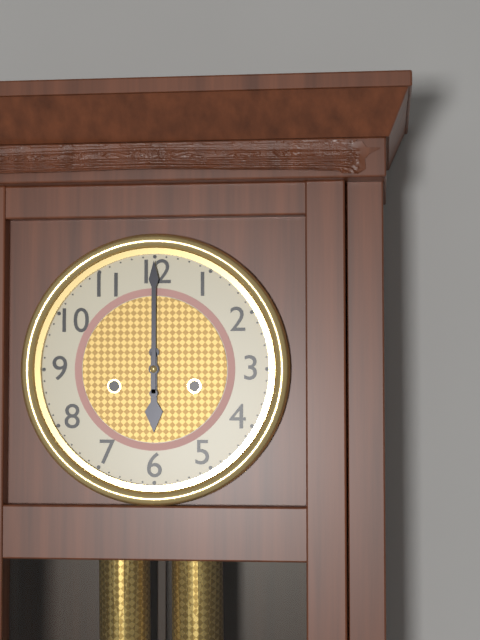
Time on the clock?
6:00
